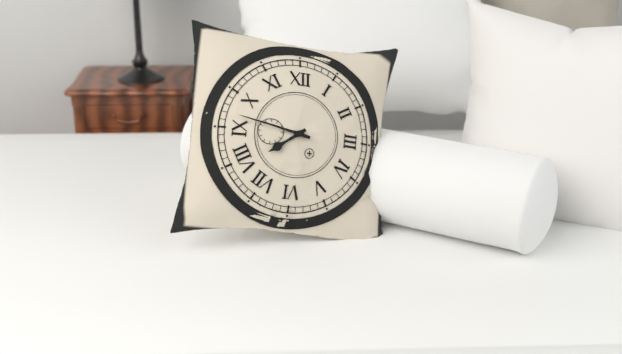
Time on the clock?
7:47
